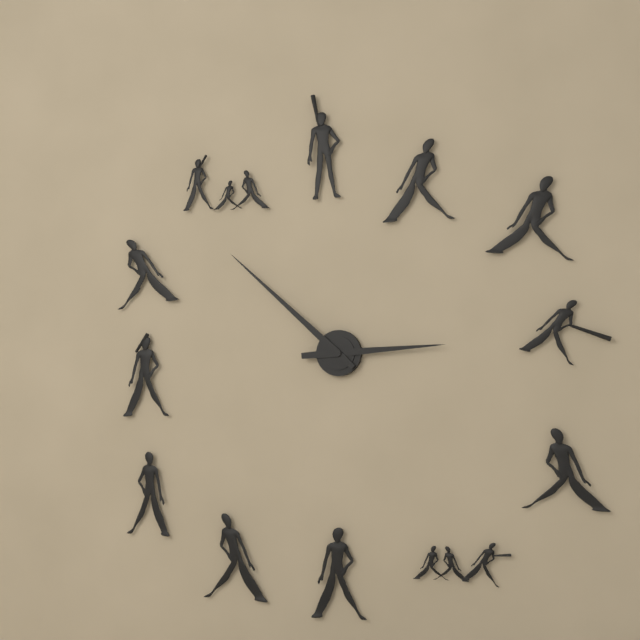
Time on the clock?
2:52
